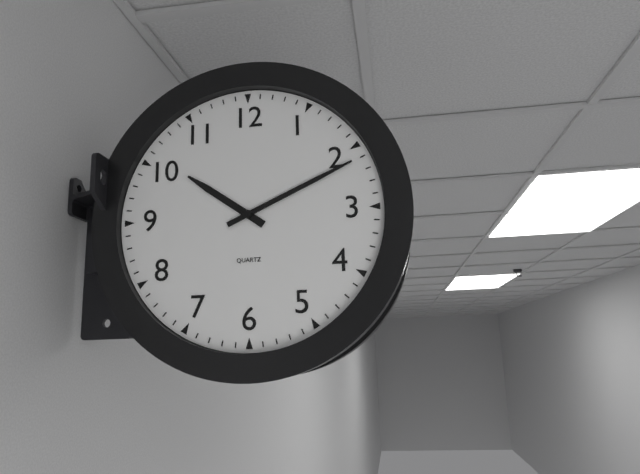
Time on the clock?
10:11
